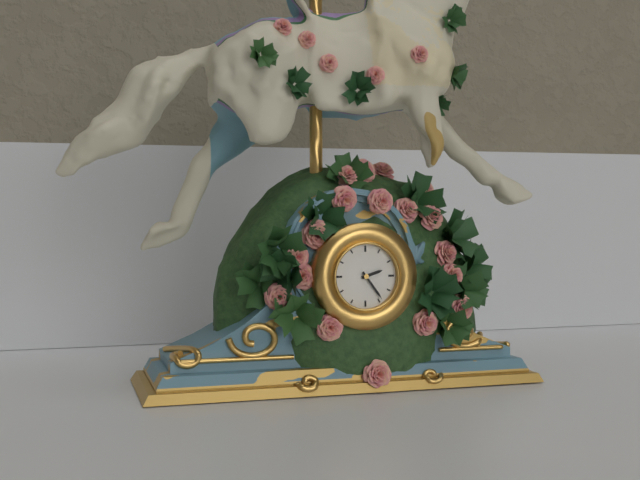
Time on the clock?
2:24
